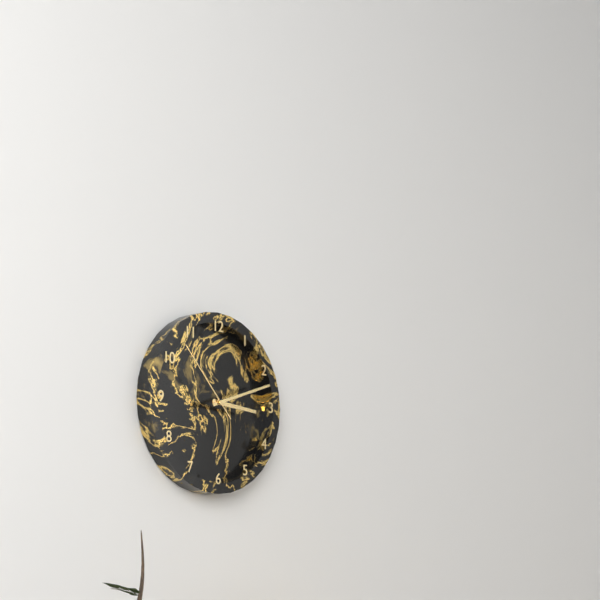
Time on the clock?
3:12:53
